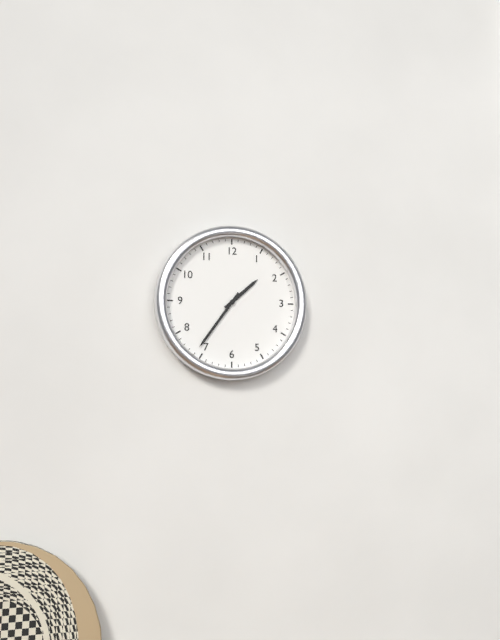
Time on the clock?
1:36
